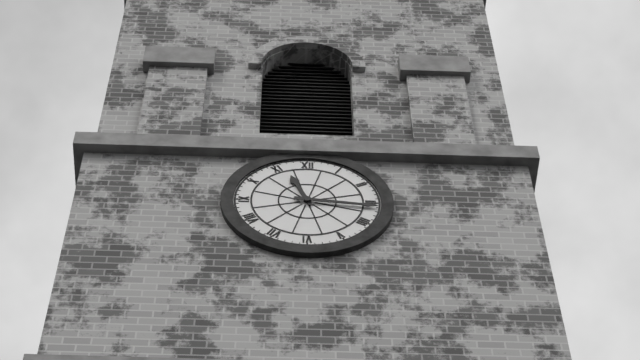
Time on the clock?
11:16
